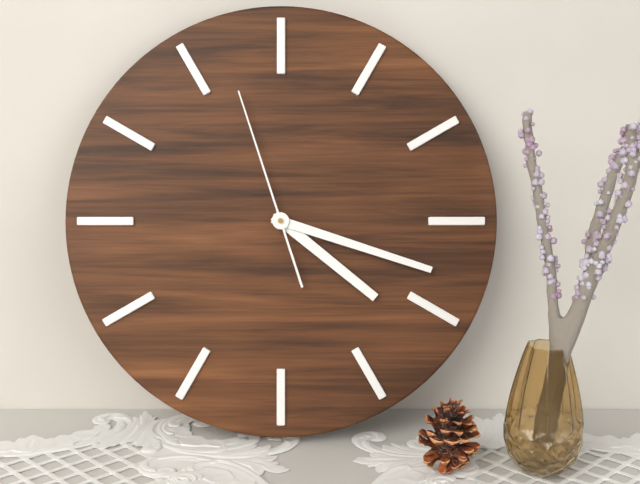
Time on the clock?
4:18:57
